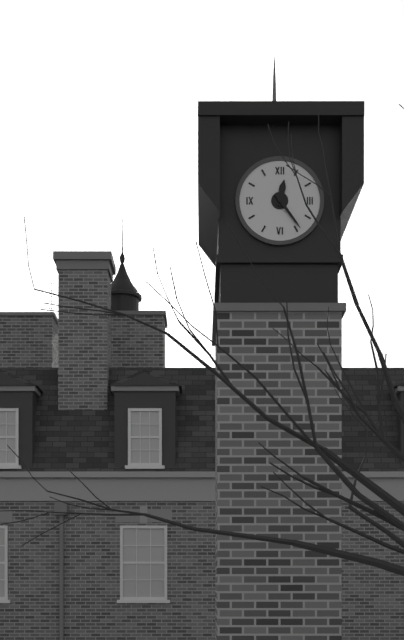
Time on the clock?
12:24
